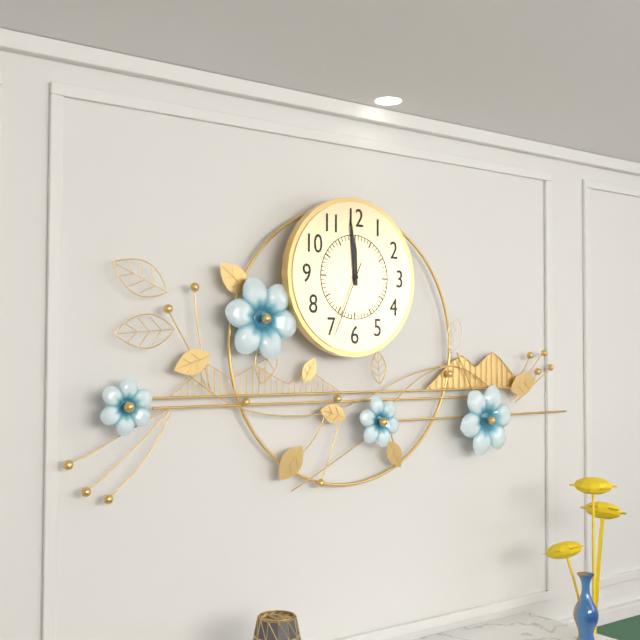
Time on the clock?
11:59:34
